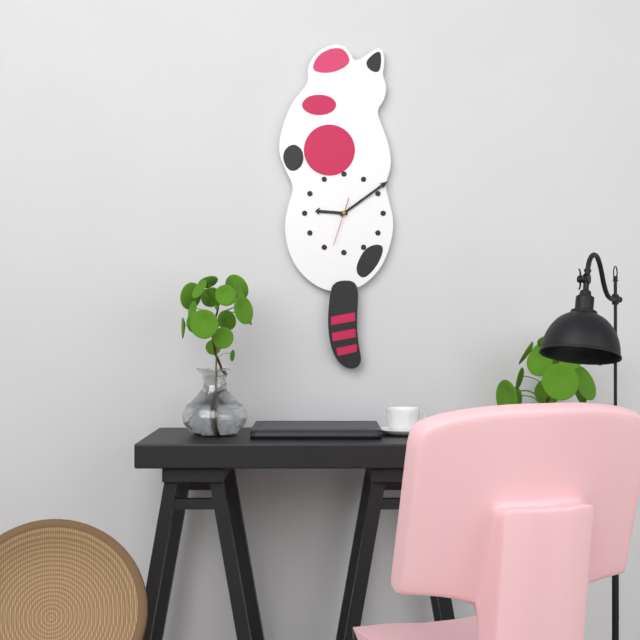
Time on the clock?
9:09
